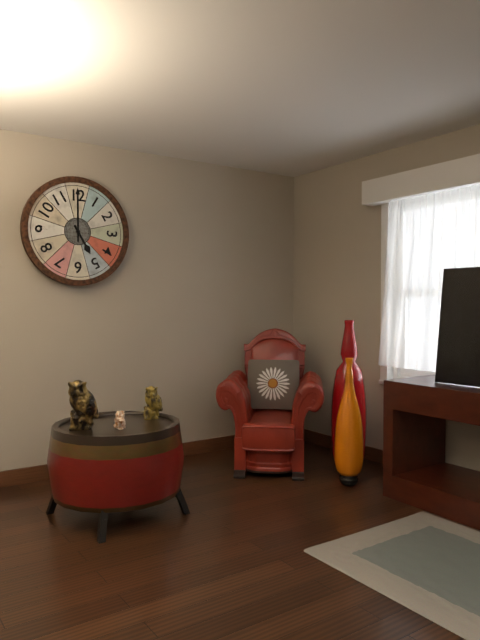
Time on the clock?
5:00
